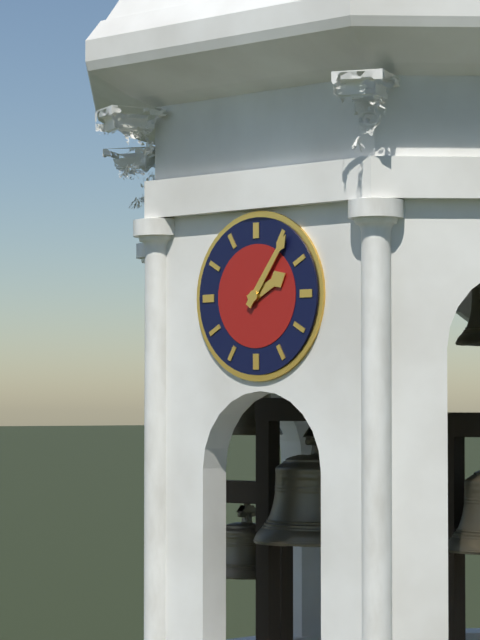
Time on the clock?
2:06
